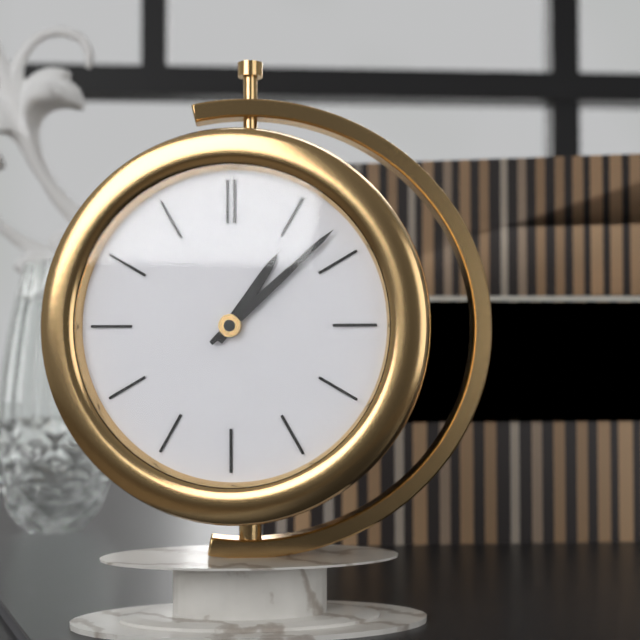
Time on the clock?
1:08
